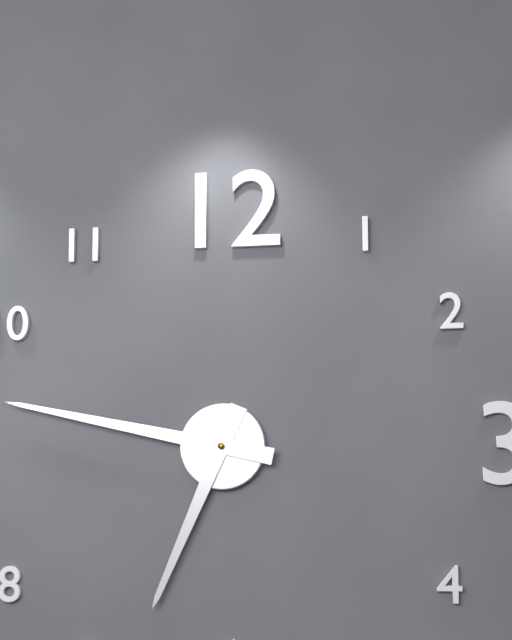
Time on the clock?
6:47
